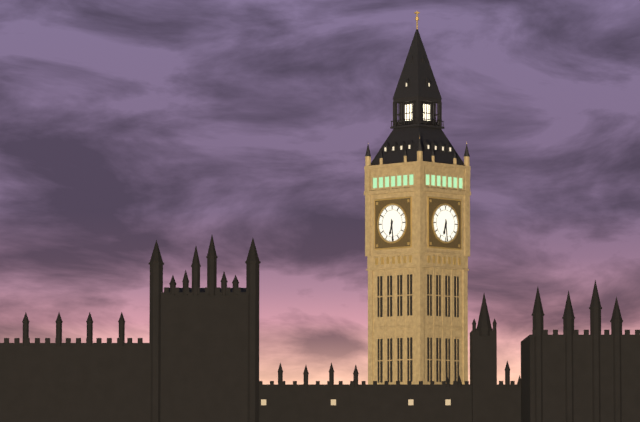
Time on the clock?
6:29
